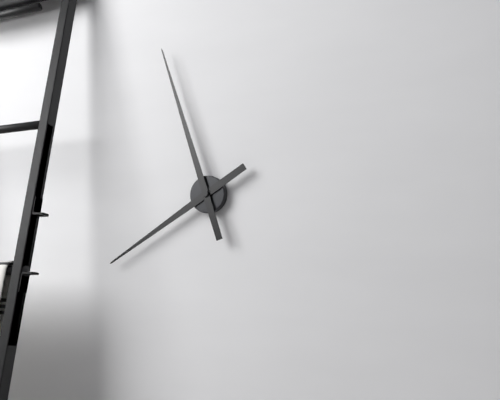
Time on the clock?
7:57
